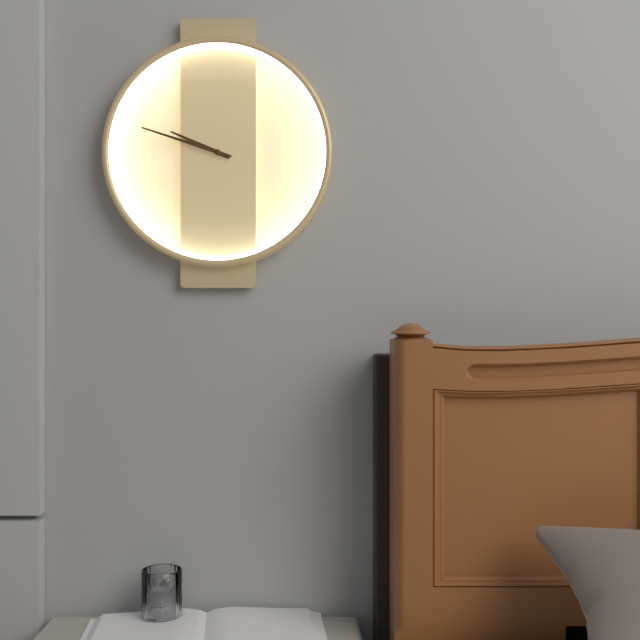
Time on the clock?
9:48
